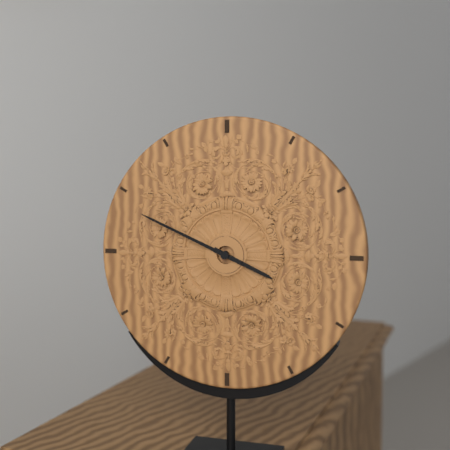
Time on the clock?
3:49
